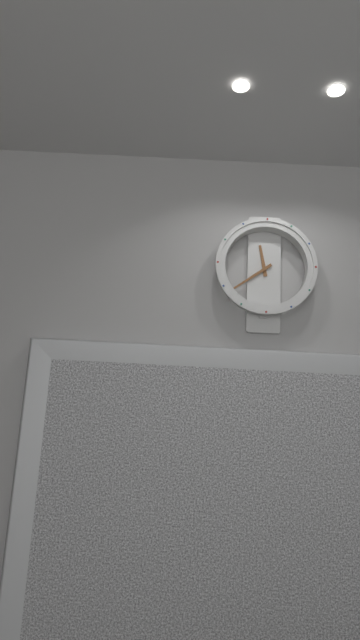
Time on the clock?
11:39
